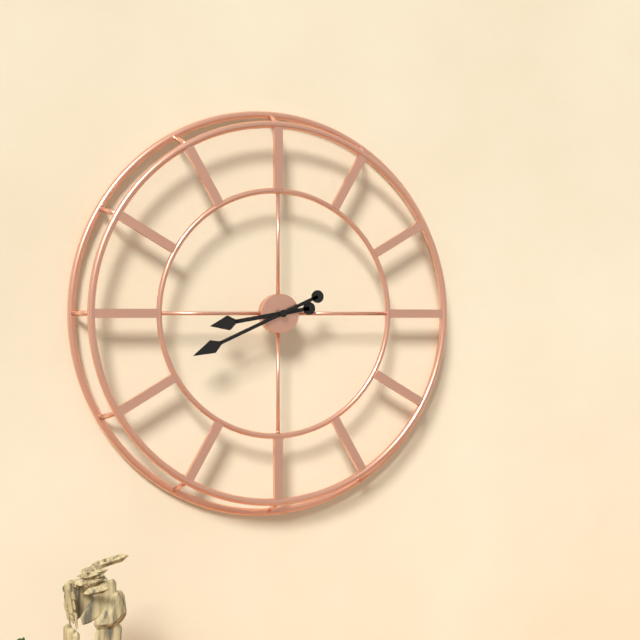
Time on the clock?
8:41
